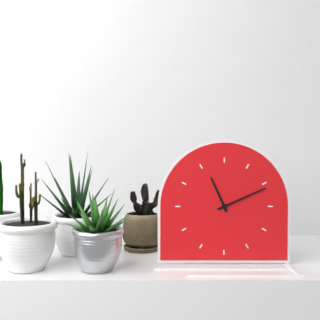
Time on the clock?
11:11
